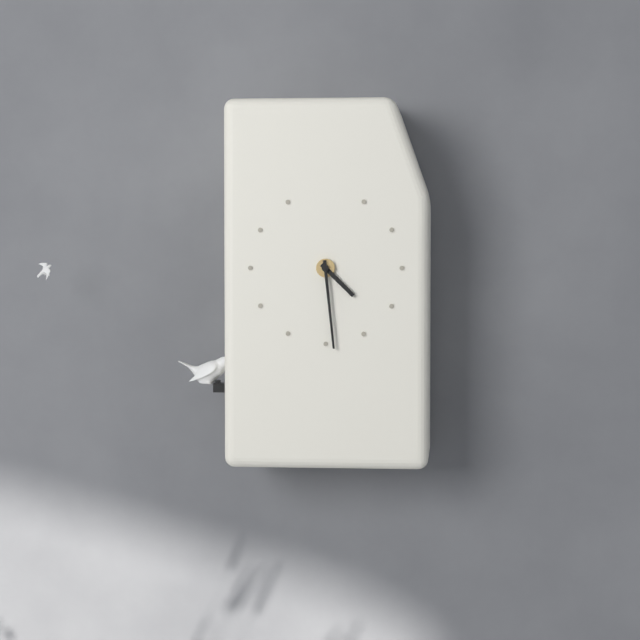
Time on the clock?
4:29
